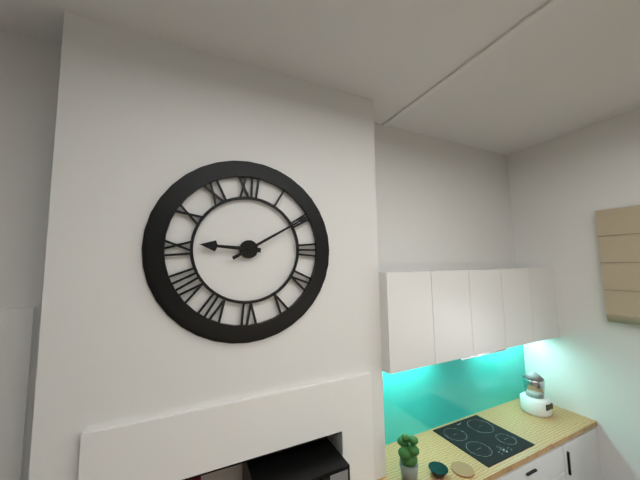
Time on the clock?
9:10
